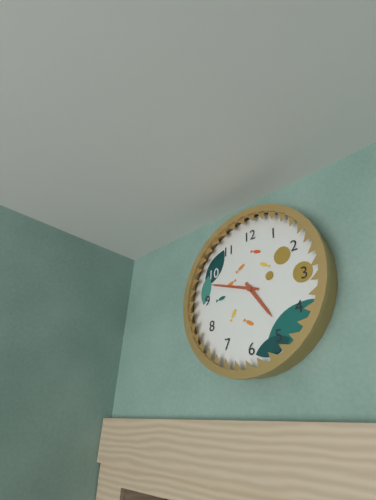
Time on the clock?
4:48
